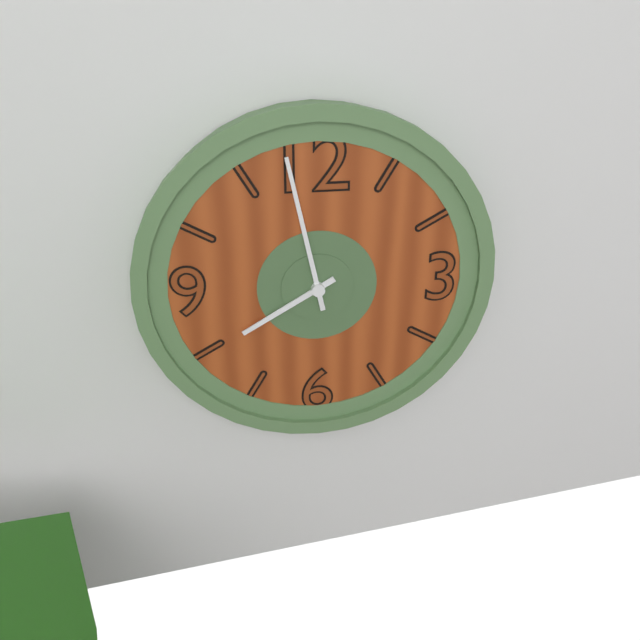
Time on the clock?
7:58
